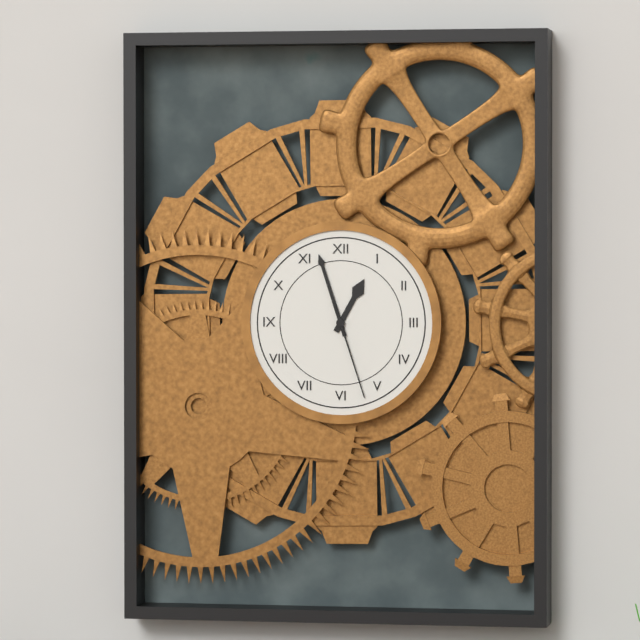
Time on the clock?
12:57:27
